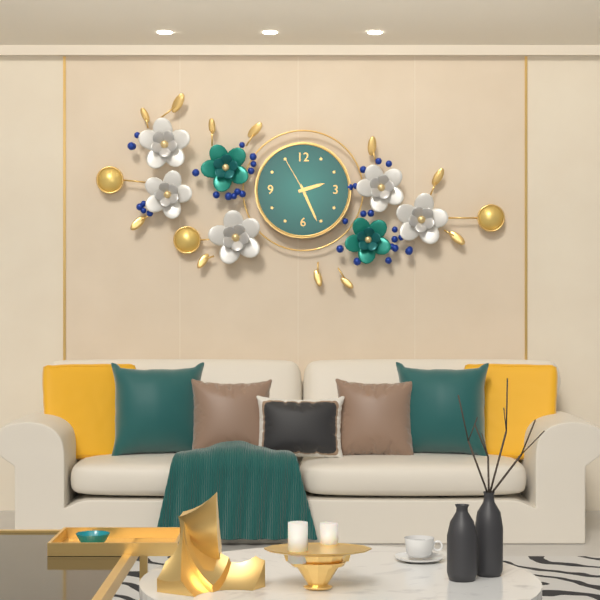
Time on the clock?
2:26
